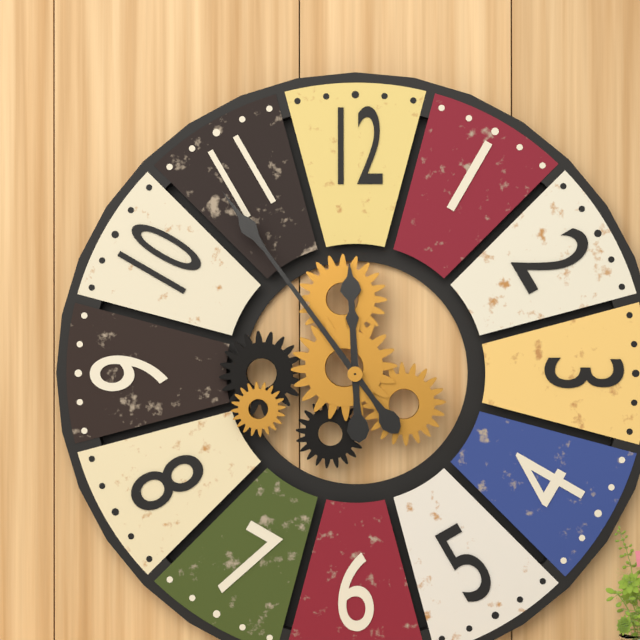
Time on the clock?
11:54
